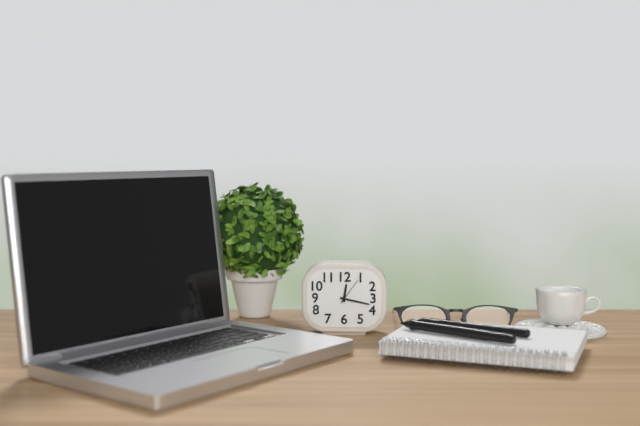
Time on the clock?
12:17
